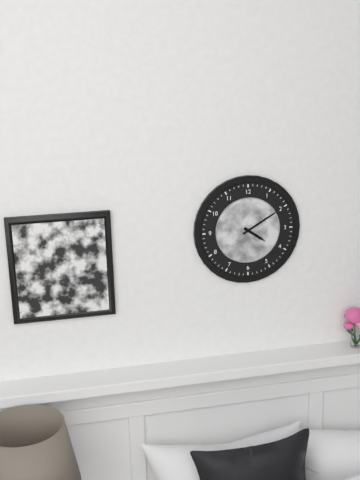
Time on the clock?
4:10
